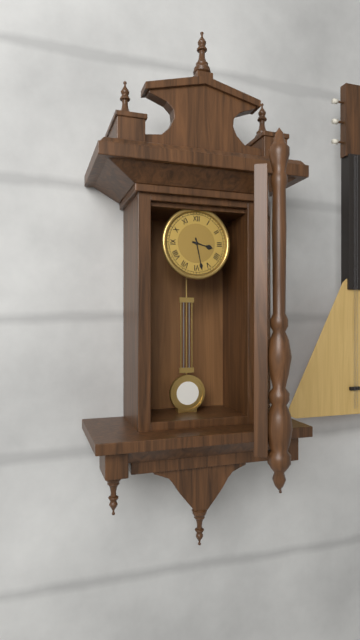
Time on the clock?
3:28
